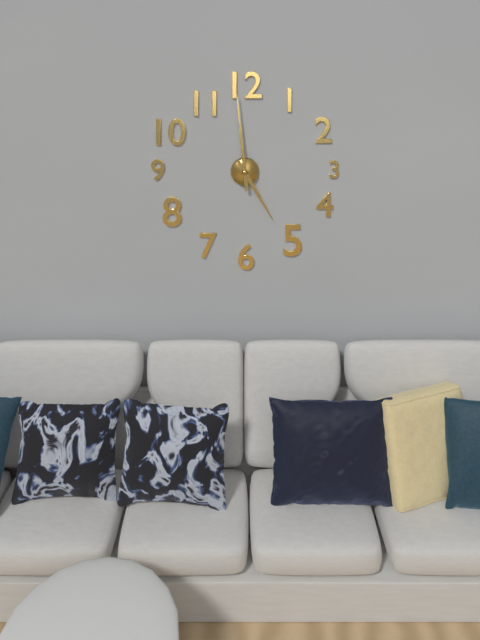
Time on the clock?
4:59
